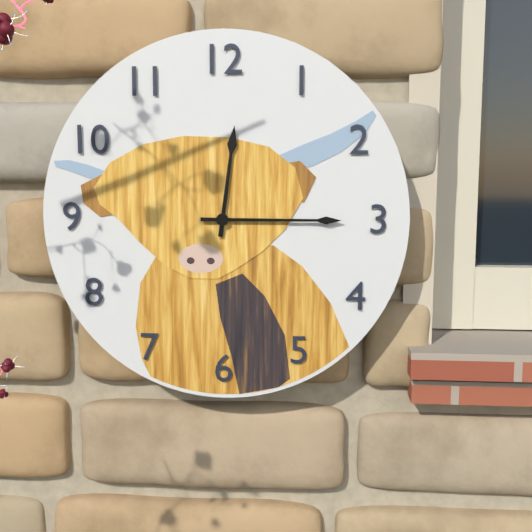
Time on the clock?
12:15
